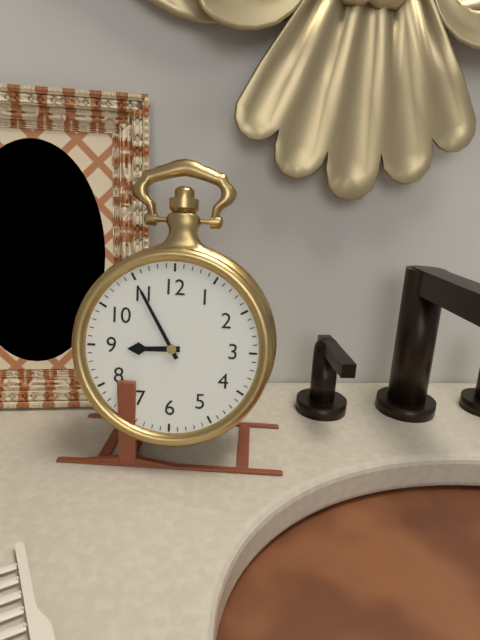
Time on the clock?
8:55
